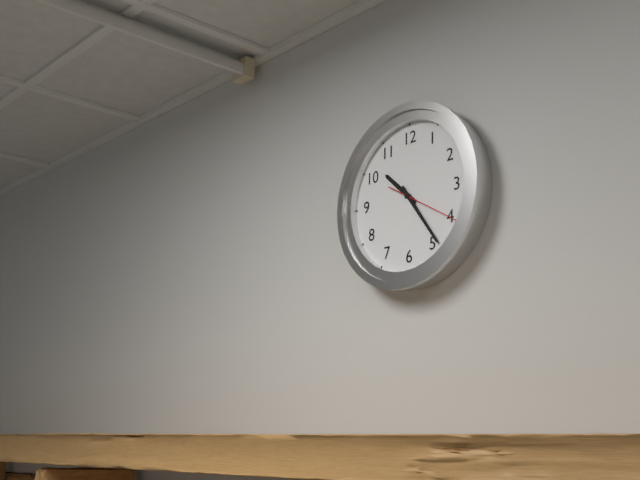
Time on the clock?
10:24:20
